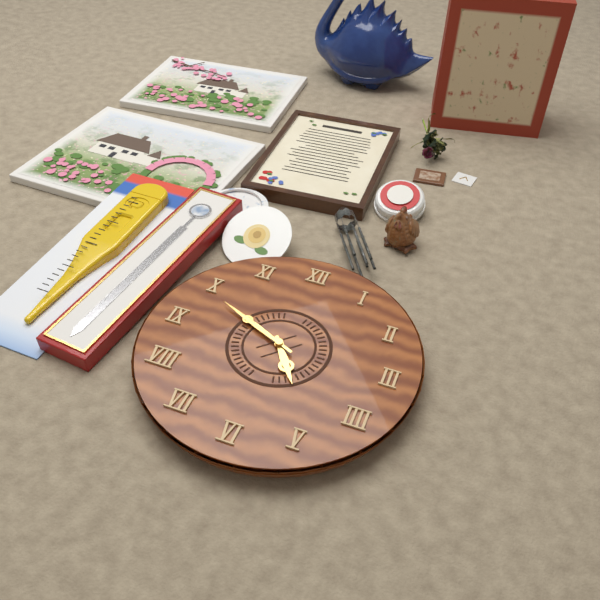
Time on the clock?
4:49
